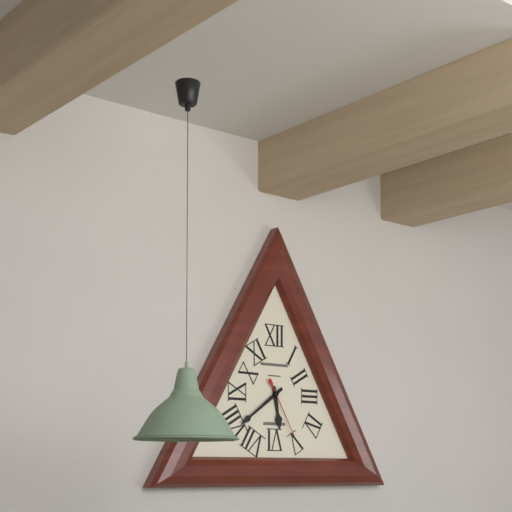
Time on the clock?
5:39:25
